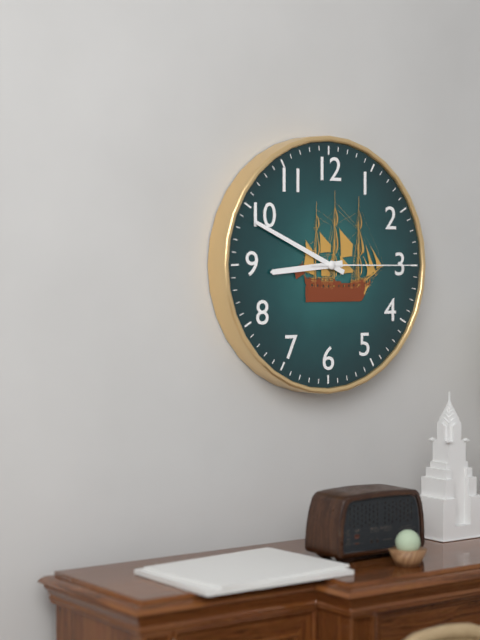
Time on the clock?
8:49:15
